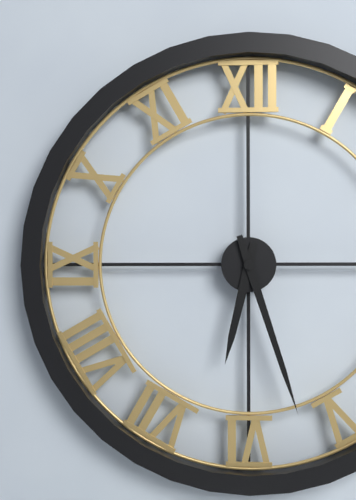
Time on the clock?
6:27
